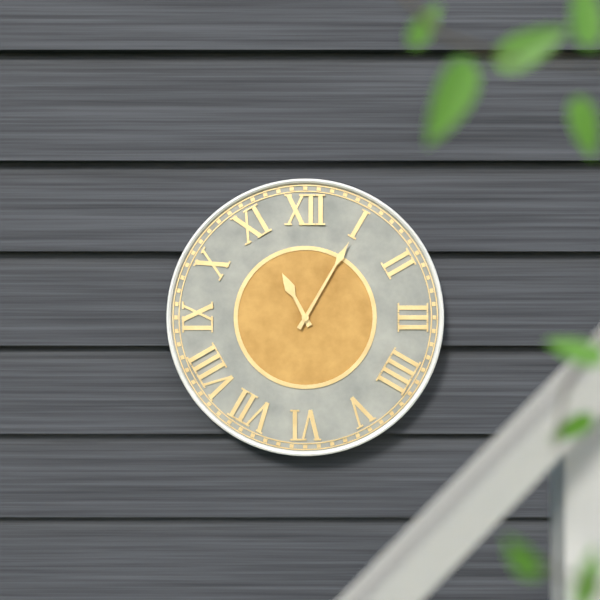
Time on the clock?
11:05
